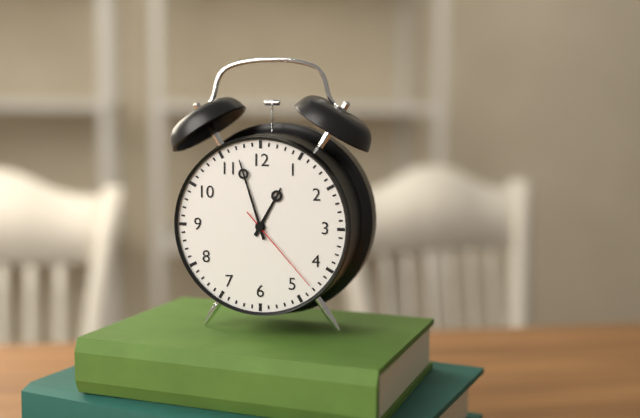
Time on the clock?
12:57:23
